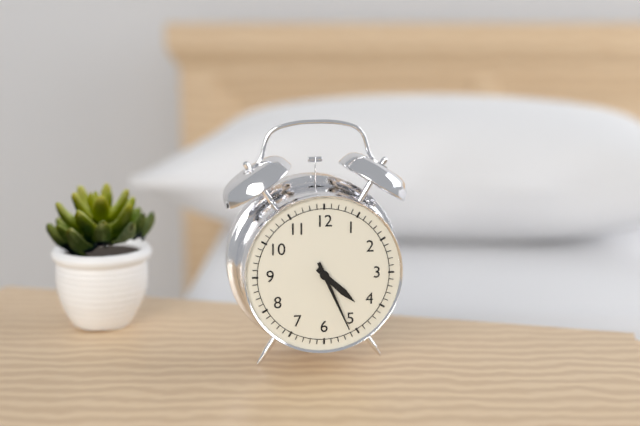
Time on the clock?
4:26
